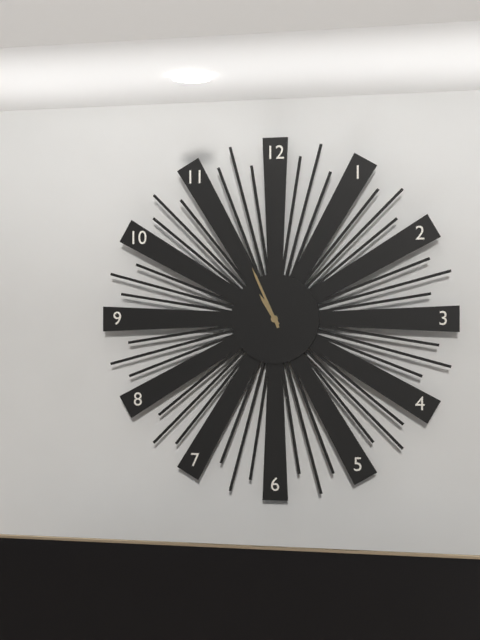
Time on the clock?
10:56
